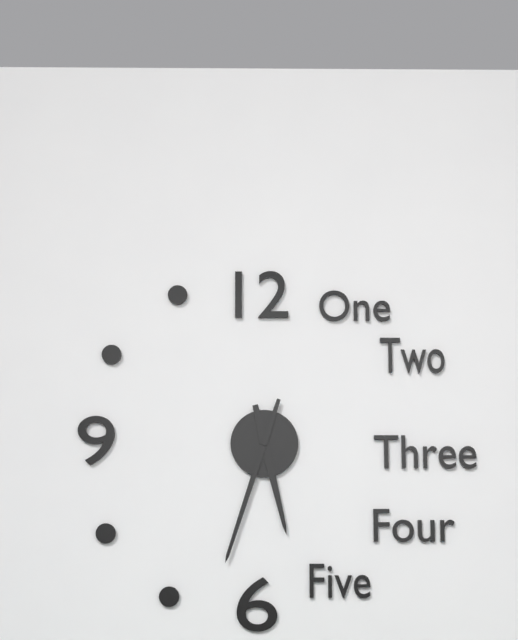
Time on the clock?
5:33
